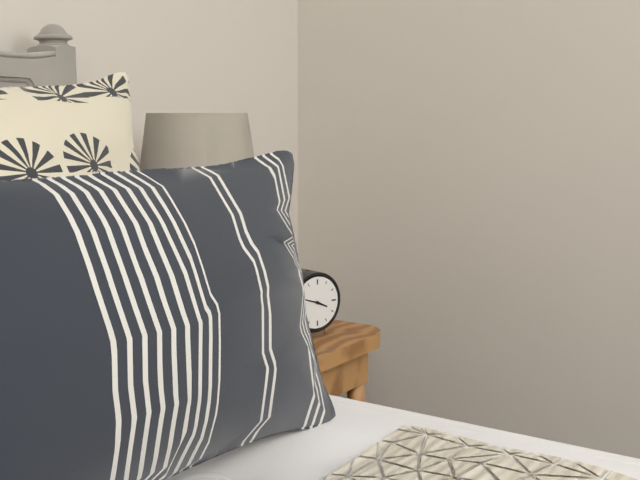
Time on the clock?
3:48
